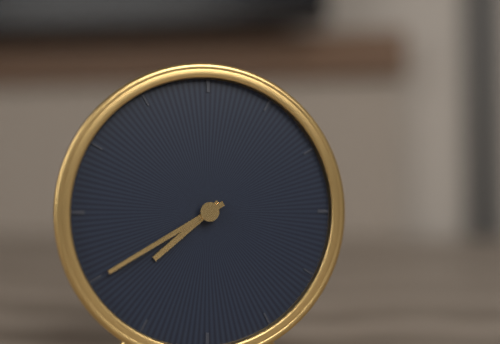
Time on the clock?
7:40
